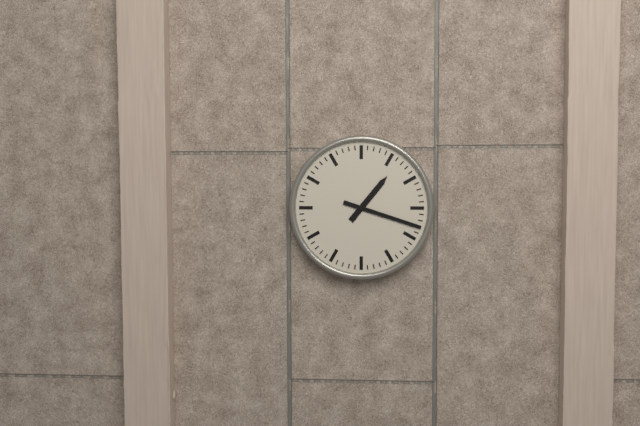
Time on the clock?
1:18
